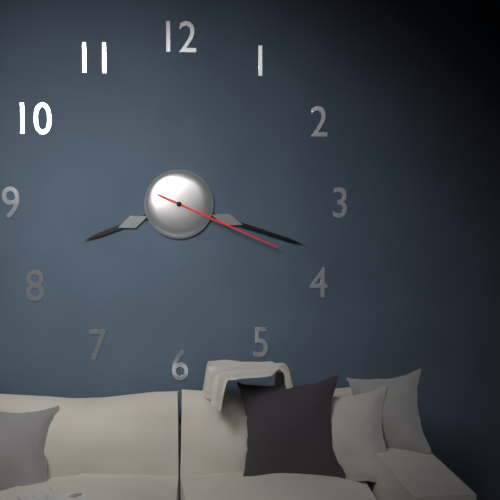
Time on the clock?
8:18:19
